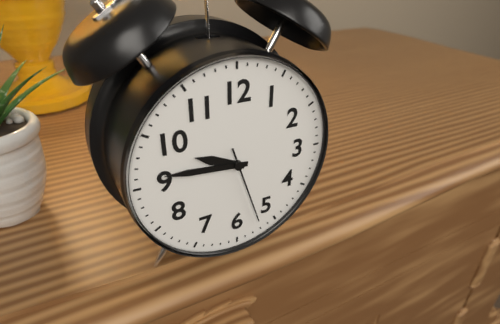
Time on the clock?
9:46:27
